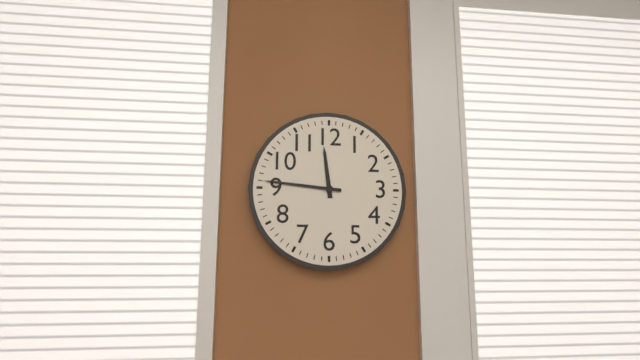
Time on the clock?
11:46
